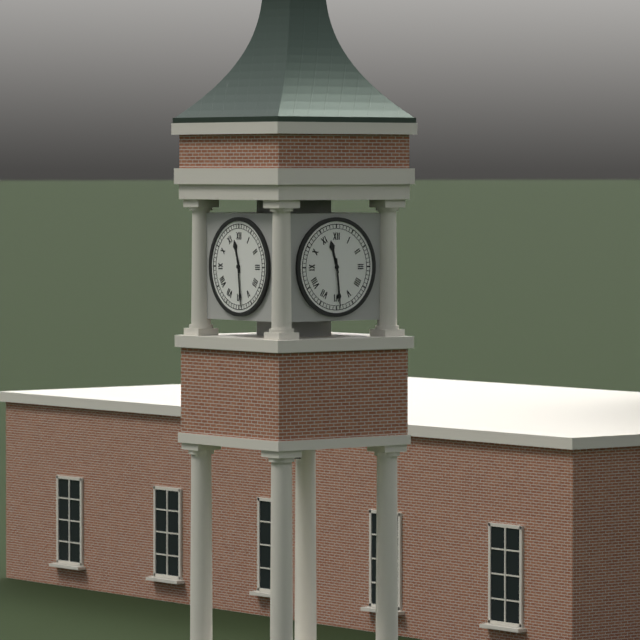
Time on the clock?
11:29
